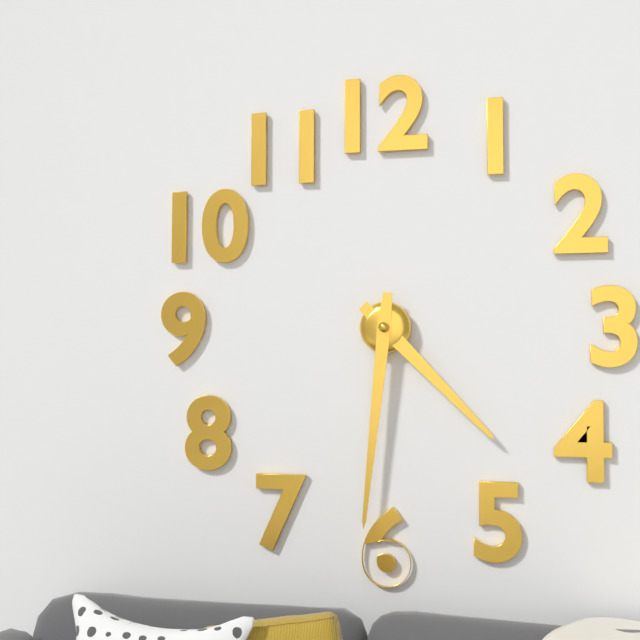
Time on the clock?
4:31
